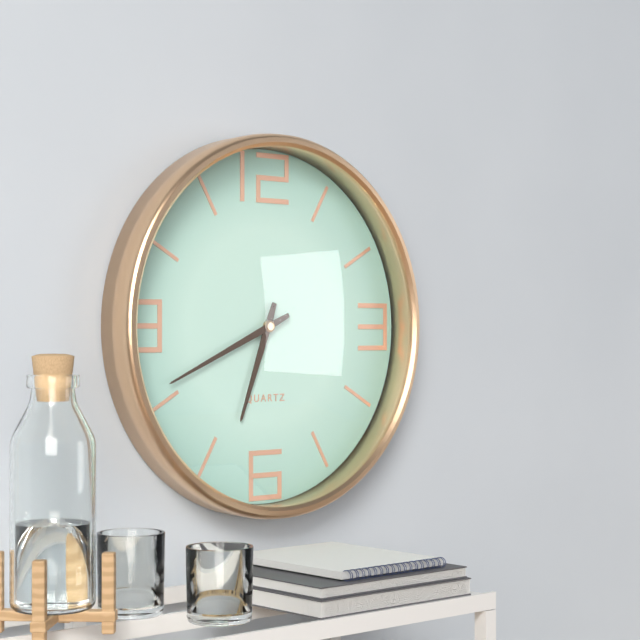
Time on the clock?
6:41
